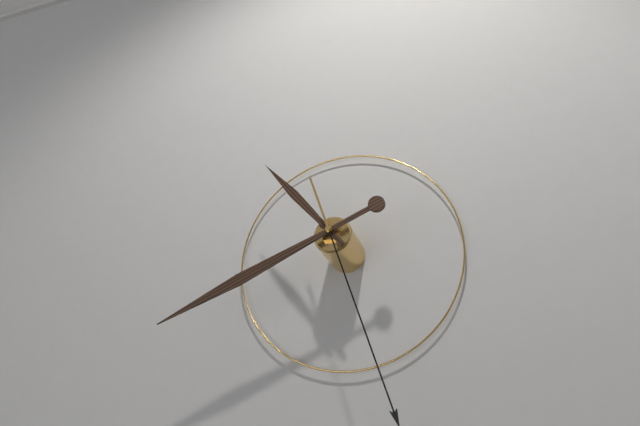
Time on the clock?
10:41
